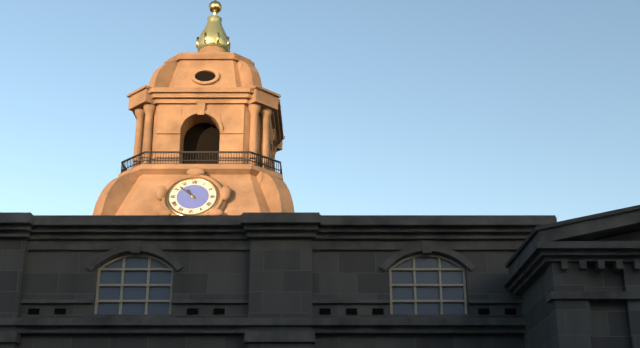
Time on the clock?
10:52
